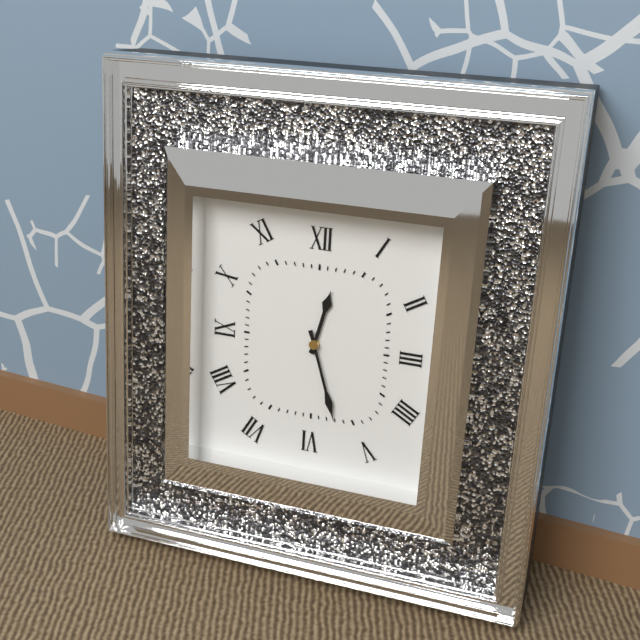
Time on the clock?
12:27
